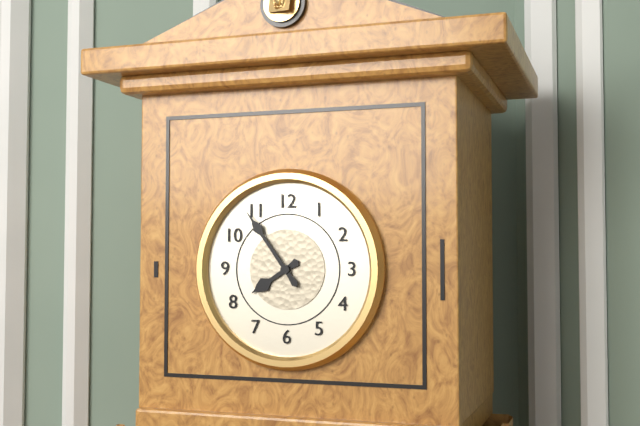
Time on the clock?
7:54
